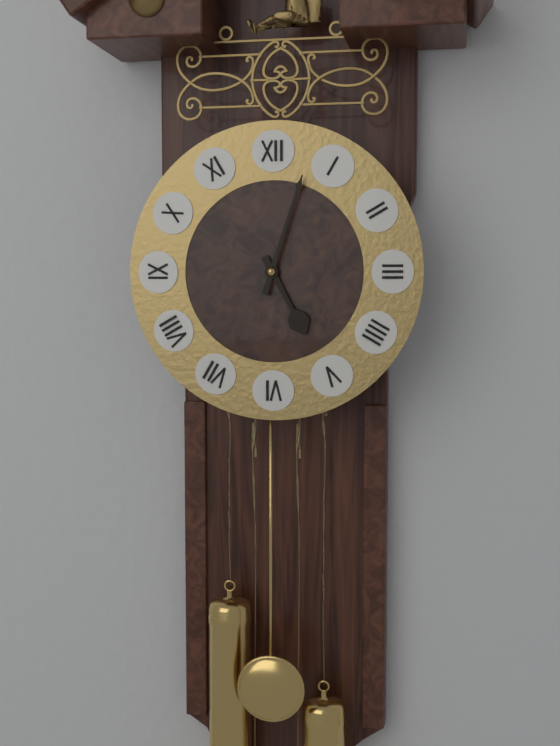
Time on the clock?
5:03
